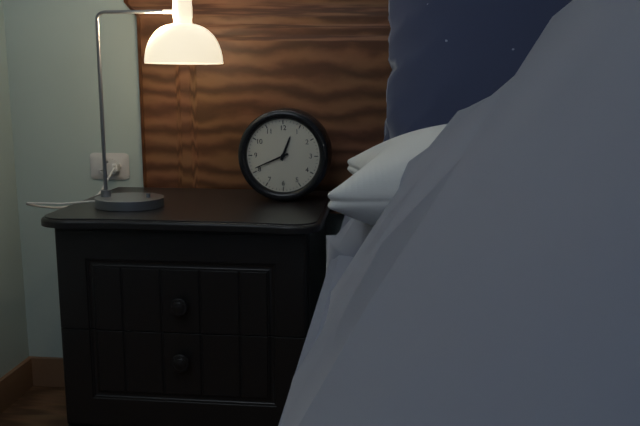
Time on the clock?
12:41
